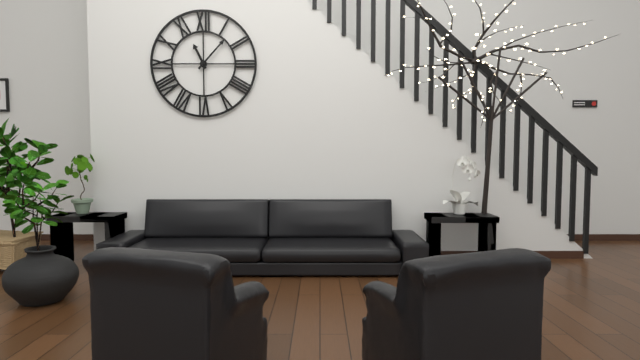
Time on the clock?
11:07
